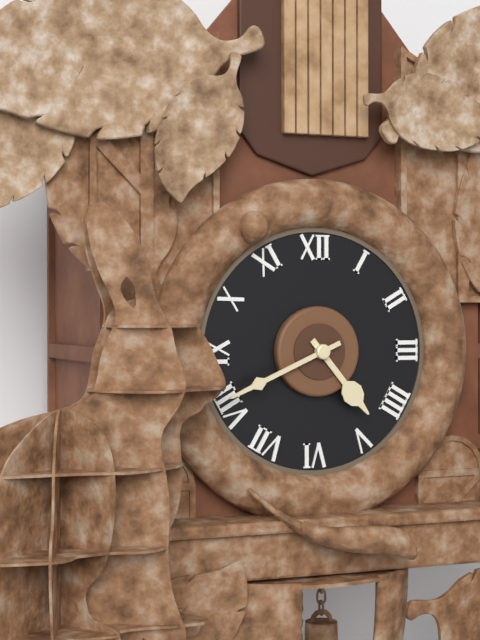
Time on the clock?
4:41
